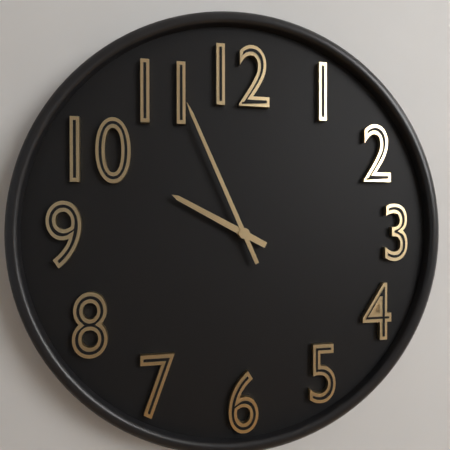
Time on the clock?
9:56
